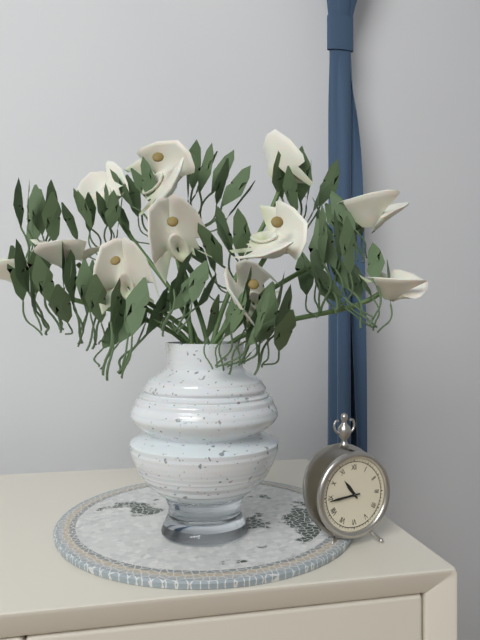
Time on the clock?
10:44
